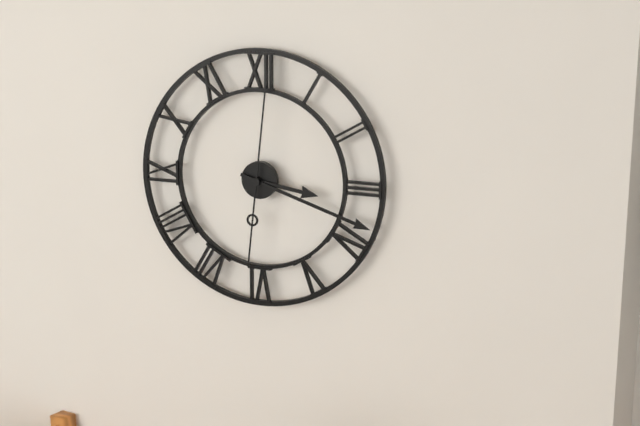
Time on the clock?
3:18:01
